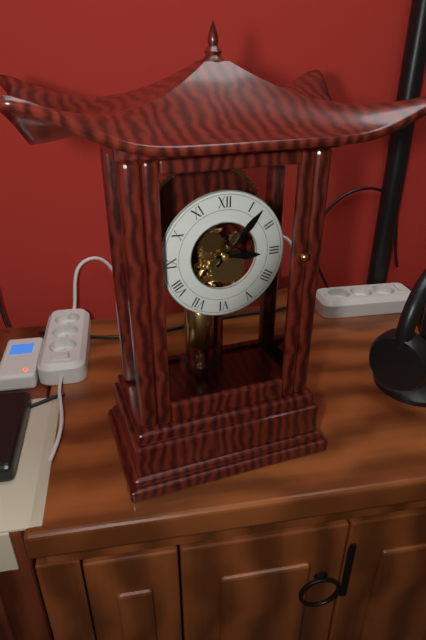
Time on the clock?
3:07
